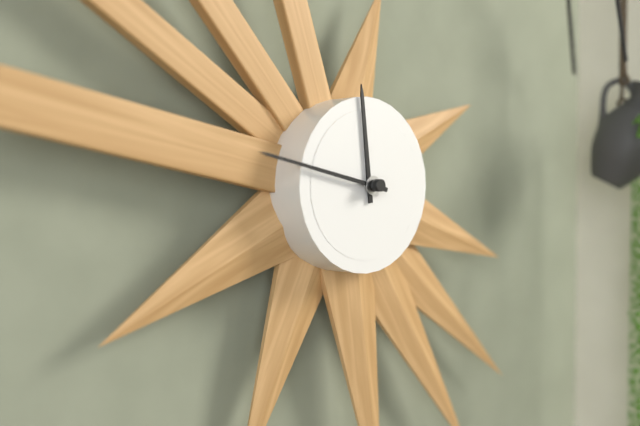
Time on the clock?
11:47
